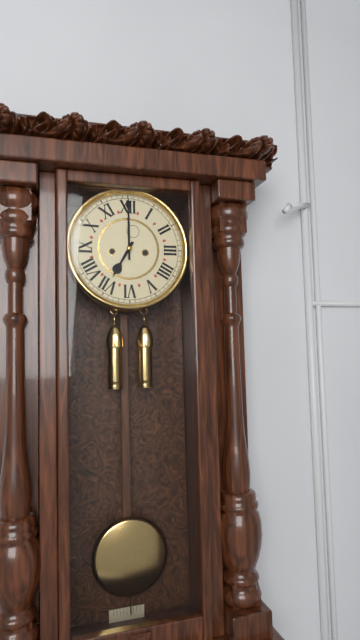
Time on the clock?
7:00
